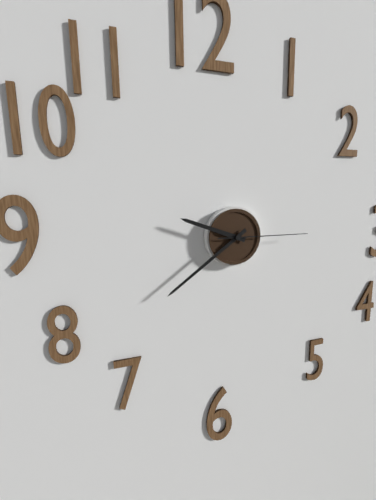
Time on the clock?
9:39:15
